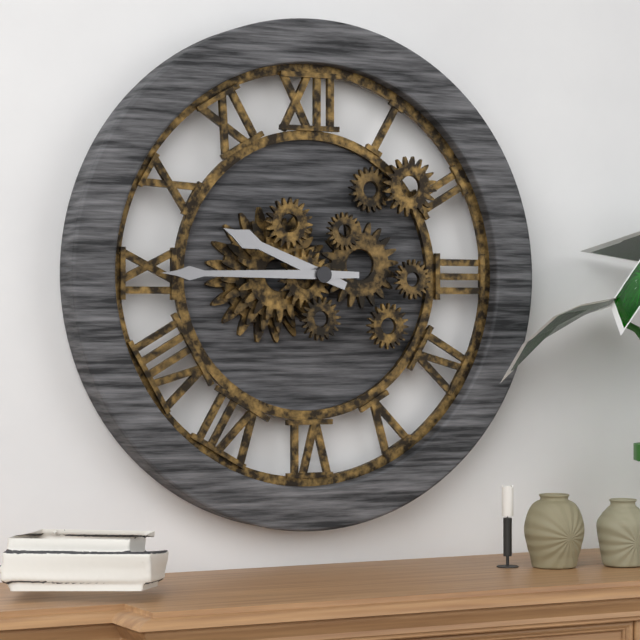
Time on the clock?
9:45
